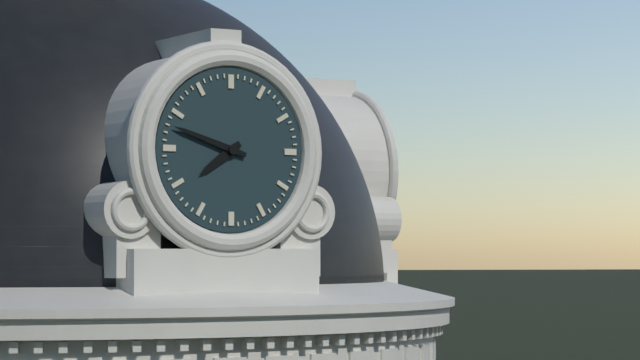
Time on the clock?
7:48
